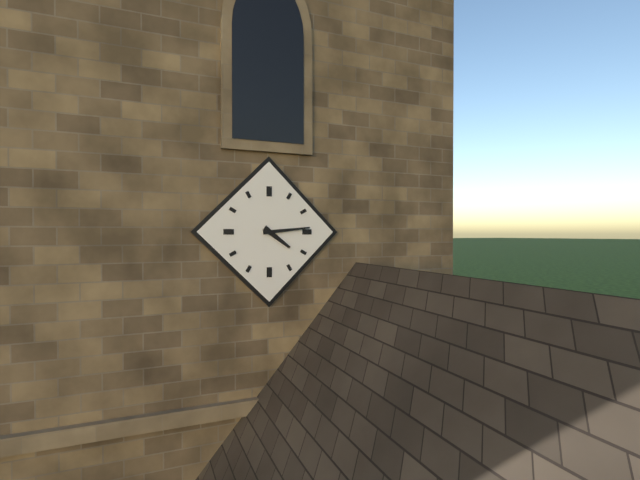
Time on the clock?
4:14
